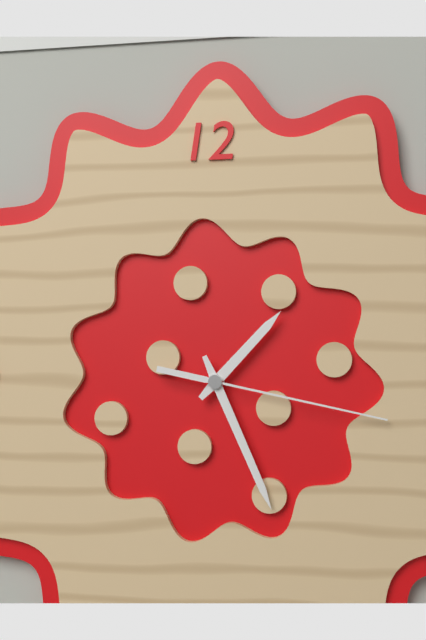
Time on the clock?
1:26:17
